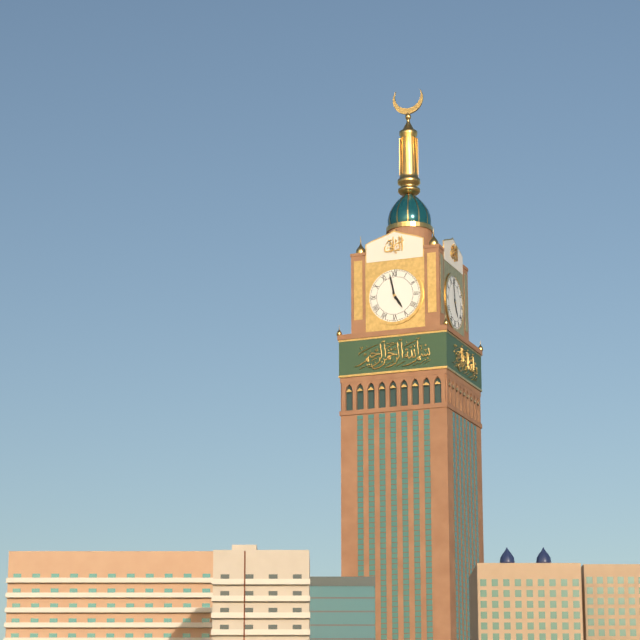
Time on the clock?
4:58
